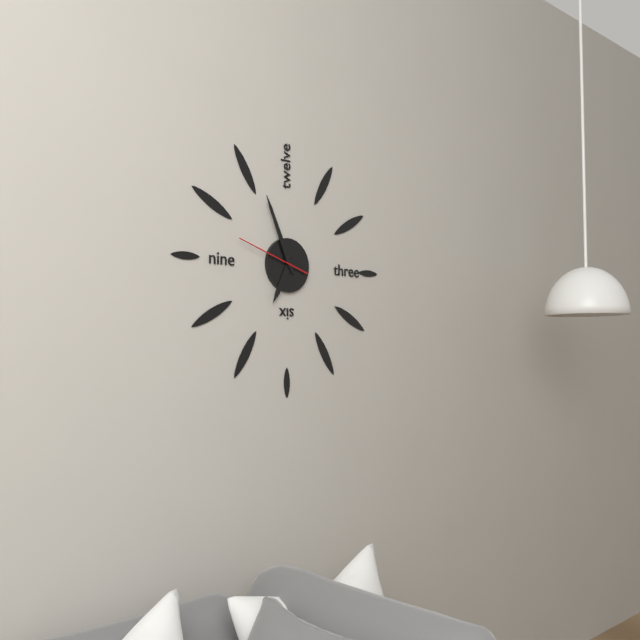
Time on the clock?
6:56:48
